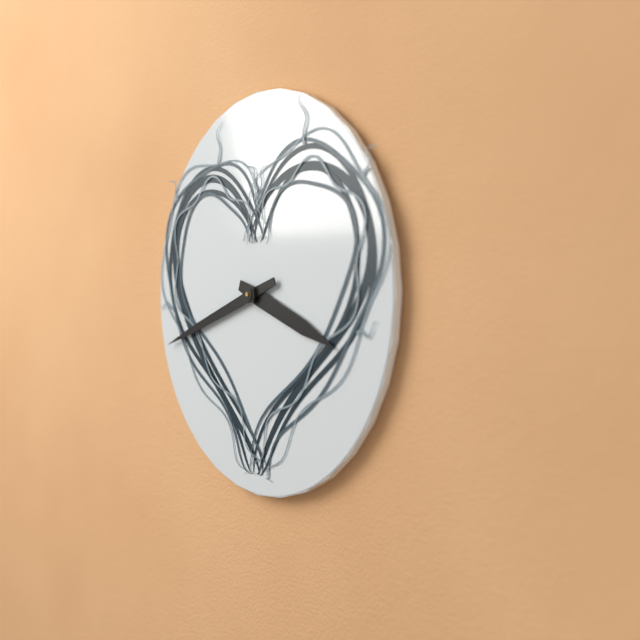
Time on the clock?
3:42
